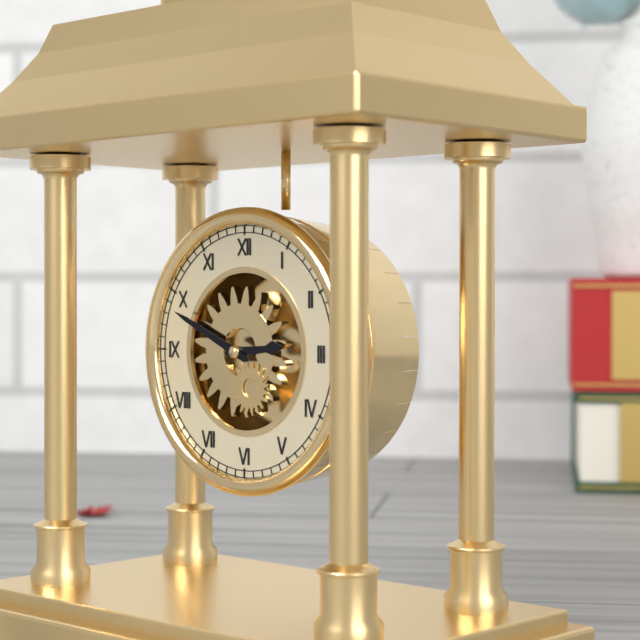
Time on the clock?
2:49
